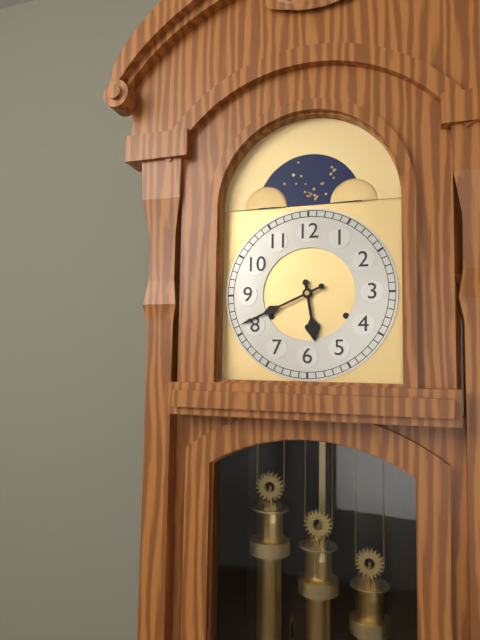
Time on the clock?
5:41
